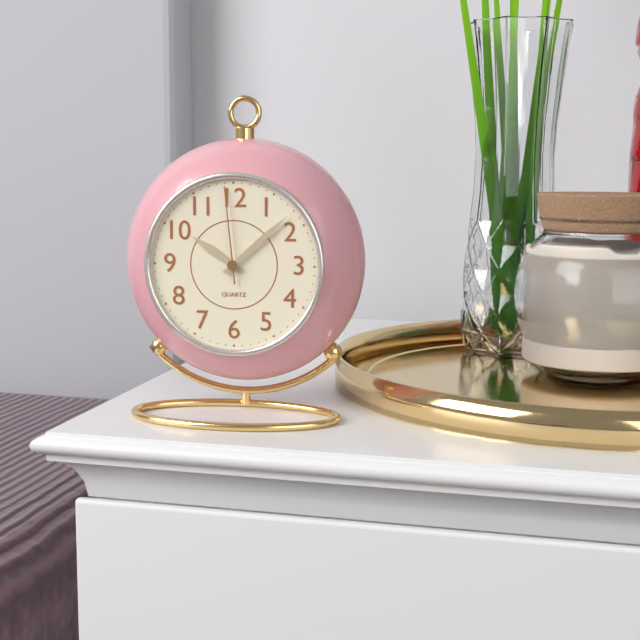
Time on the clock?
10:08:59
